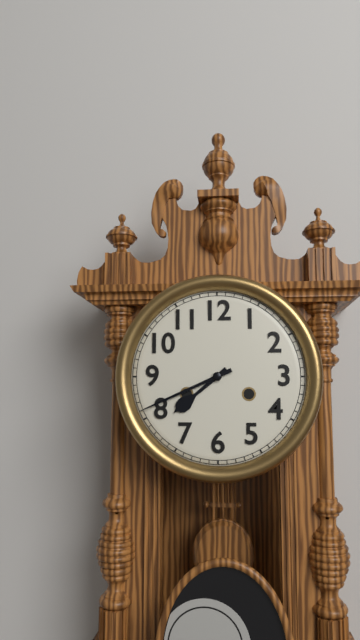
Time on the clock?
7:41
